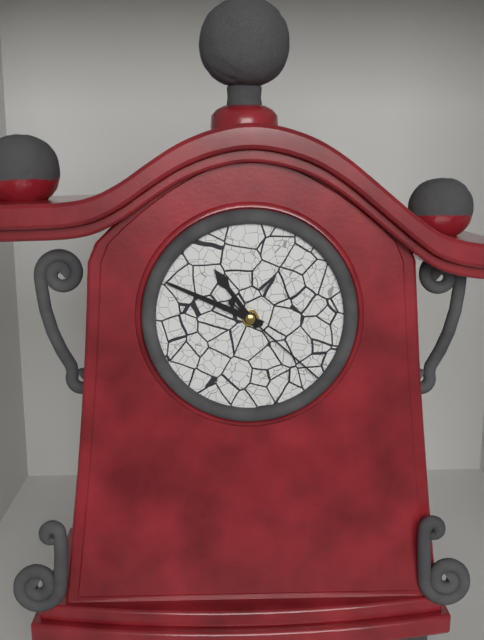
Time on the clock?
10:49:22
